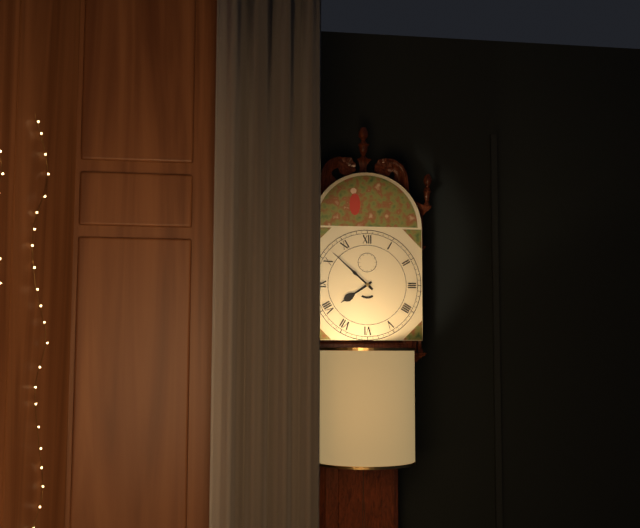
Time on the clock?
7:52
